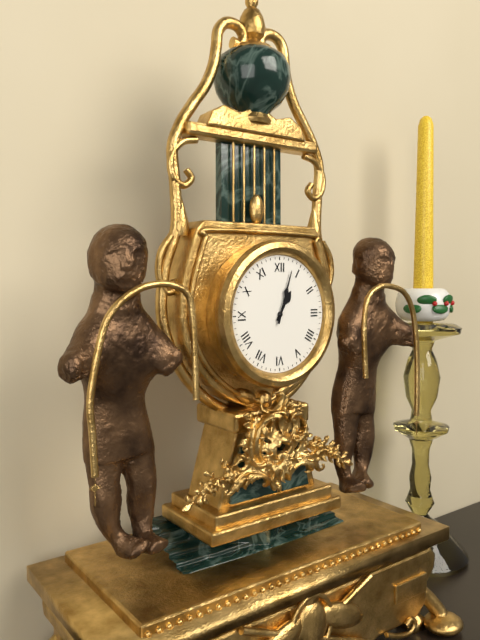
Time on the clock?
1:03
